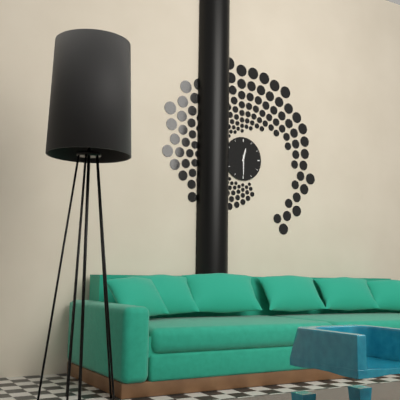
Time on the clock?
12:30
